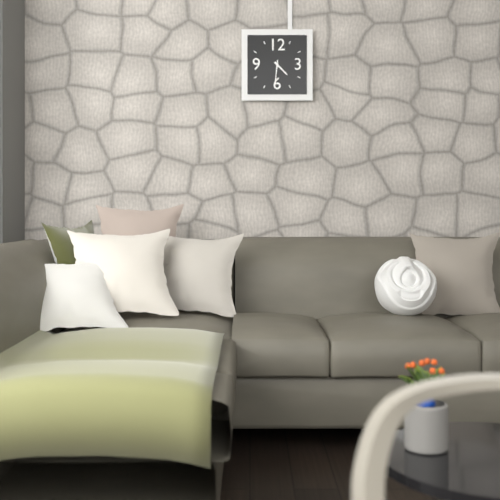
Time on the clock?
4:31
